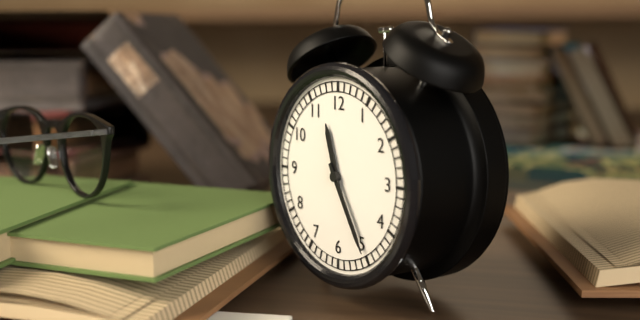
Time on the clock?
11:25
